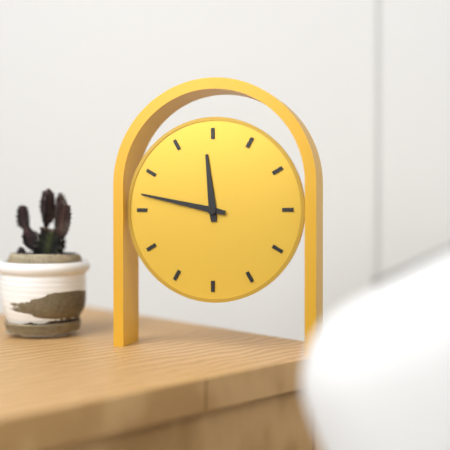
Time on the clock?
11:47
